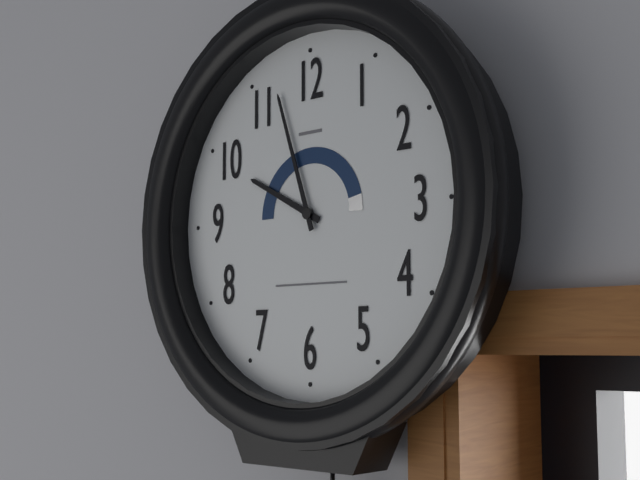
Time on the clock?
9:57
